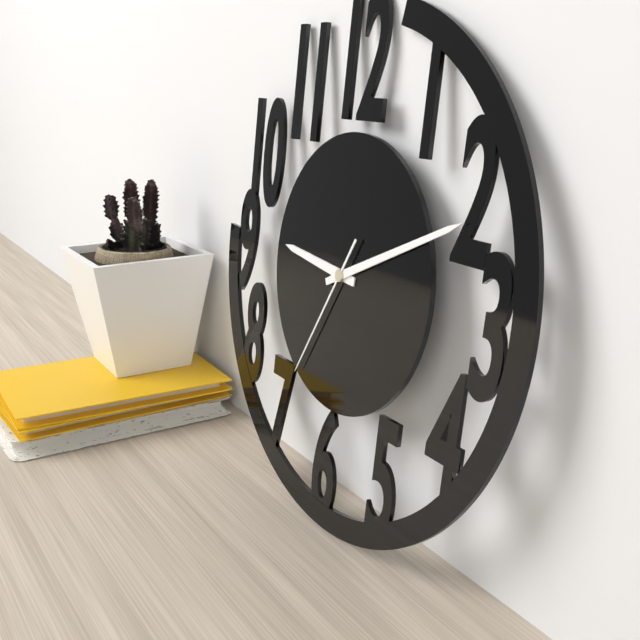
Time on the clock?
9:11:35
